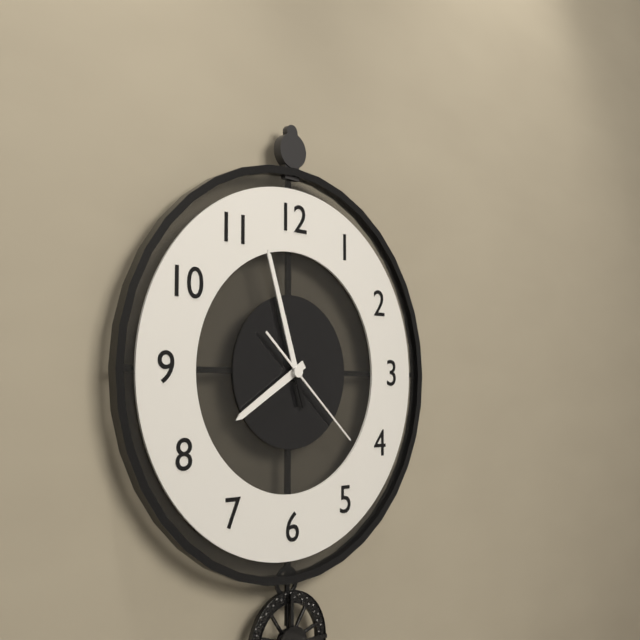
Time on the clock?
7:57:22
